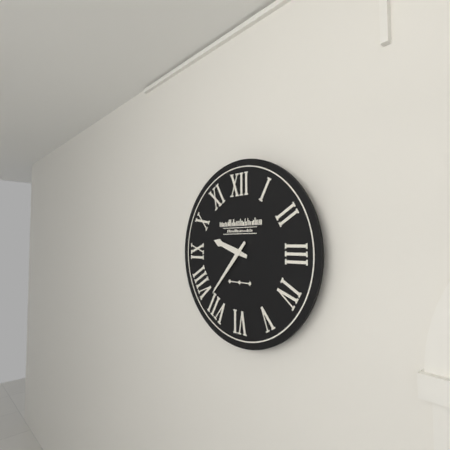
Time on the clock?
9:37
